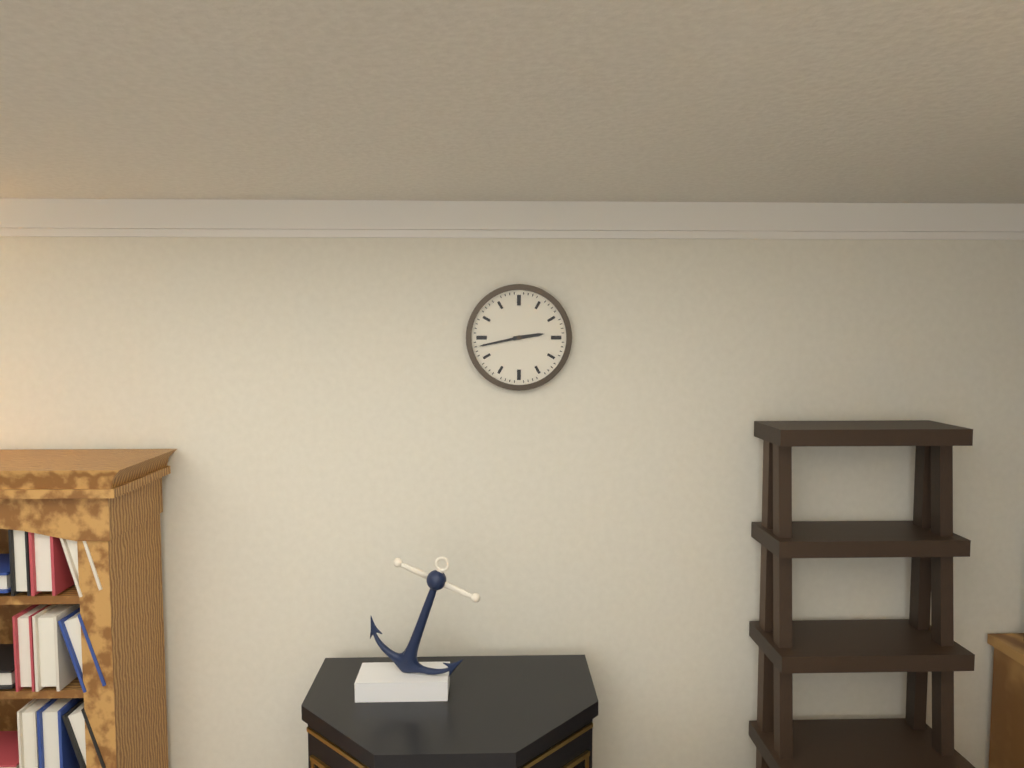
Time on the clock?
2:43
